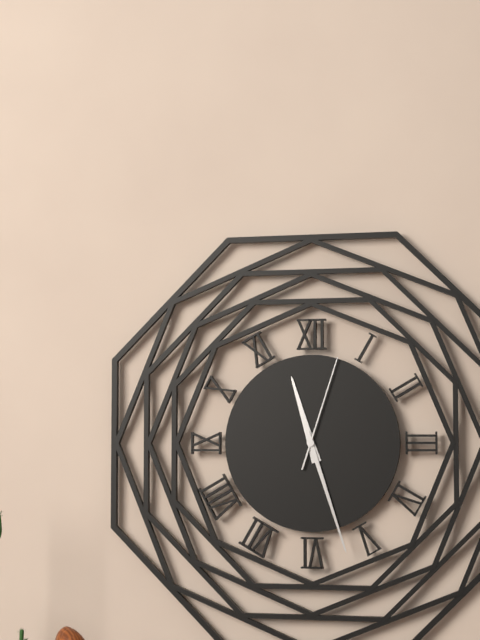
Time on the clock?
11:27:03
